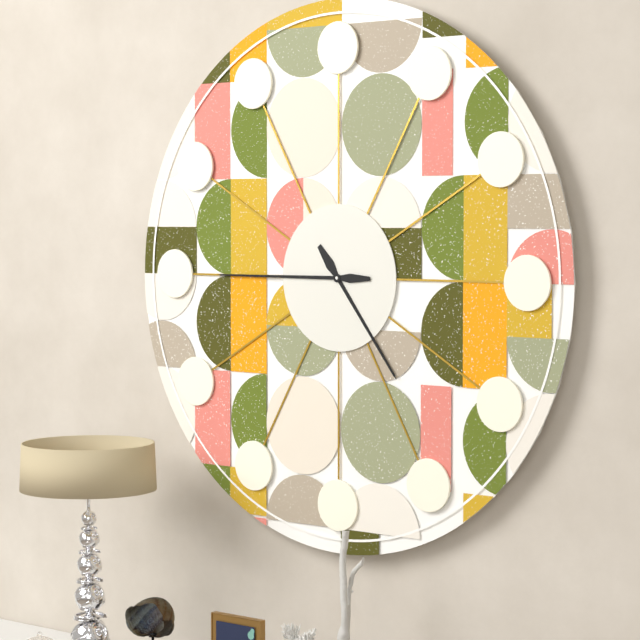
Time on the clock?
4:45
